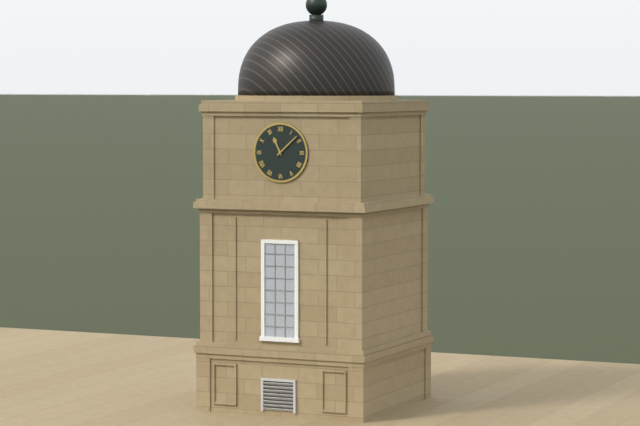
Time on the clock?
11:08
